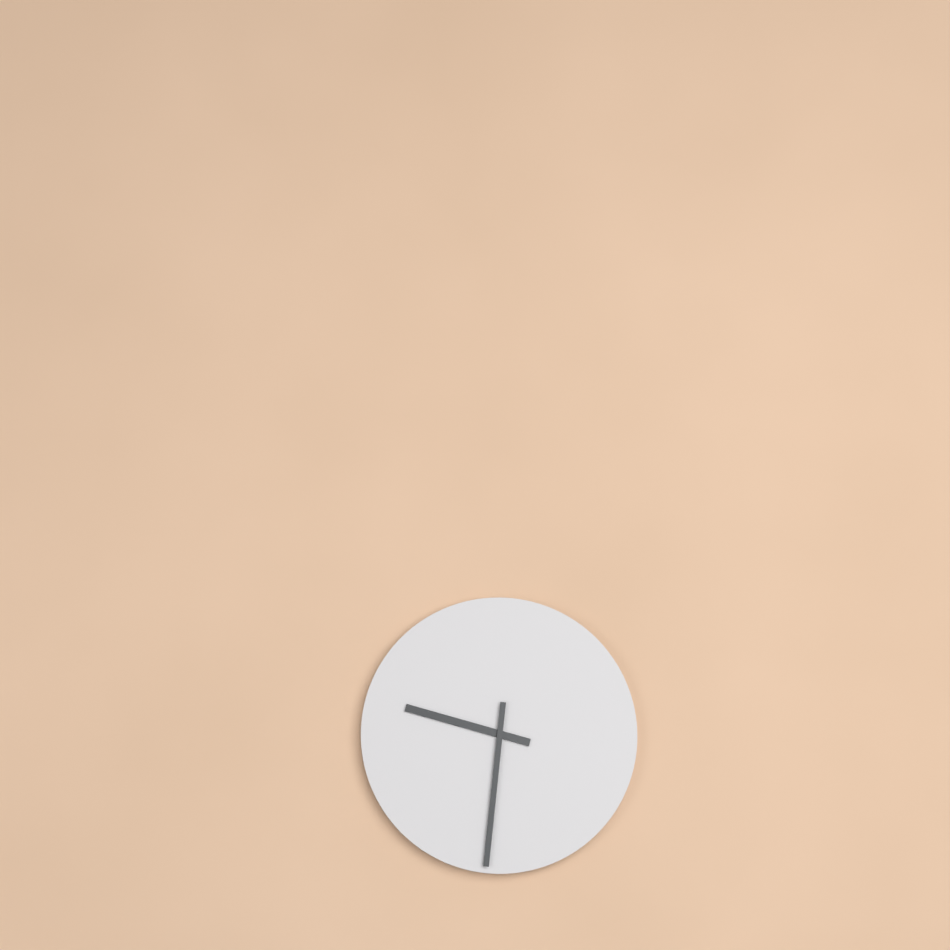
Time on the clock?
9:31
